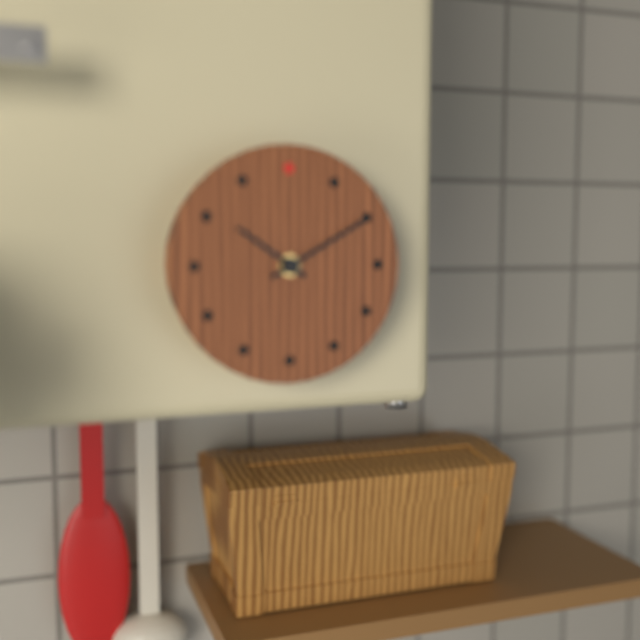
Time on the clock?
10:10
